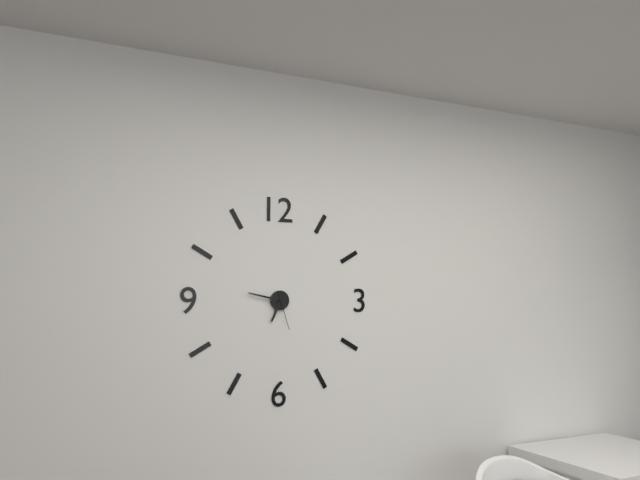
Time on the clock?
6:47
